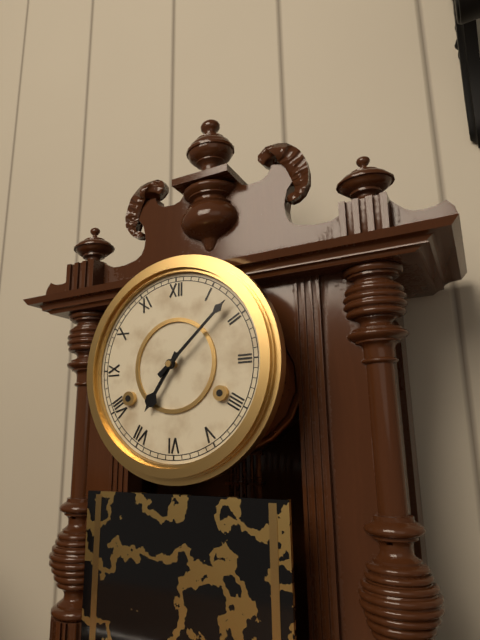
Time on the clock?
7:08
